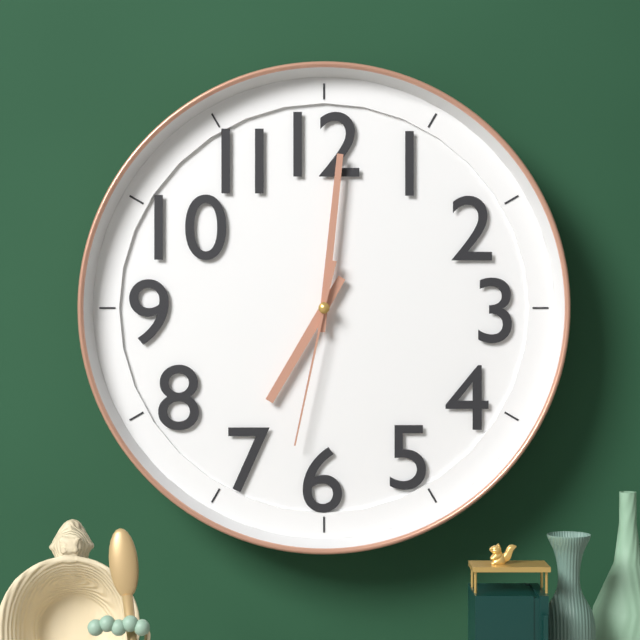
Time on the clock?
7:01:32
